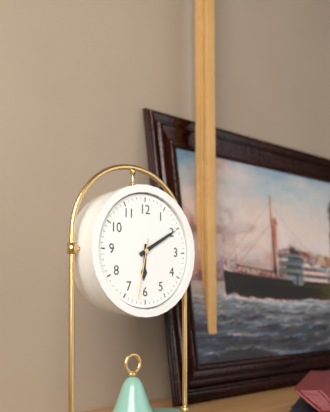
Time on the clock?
6:10:32
